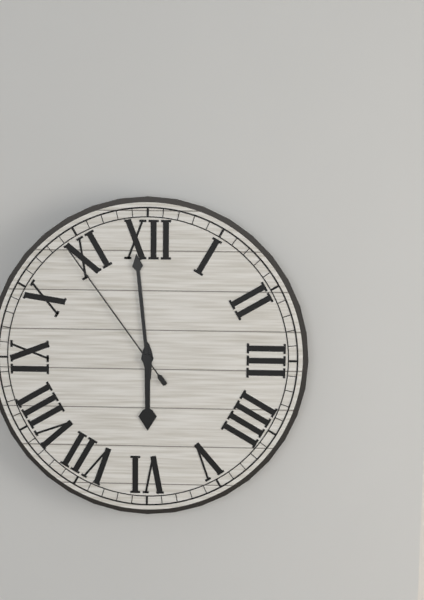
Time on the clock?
5:59:54
